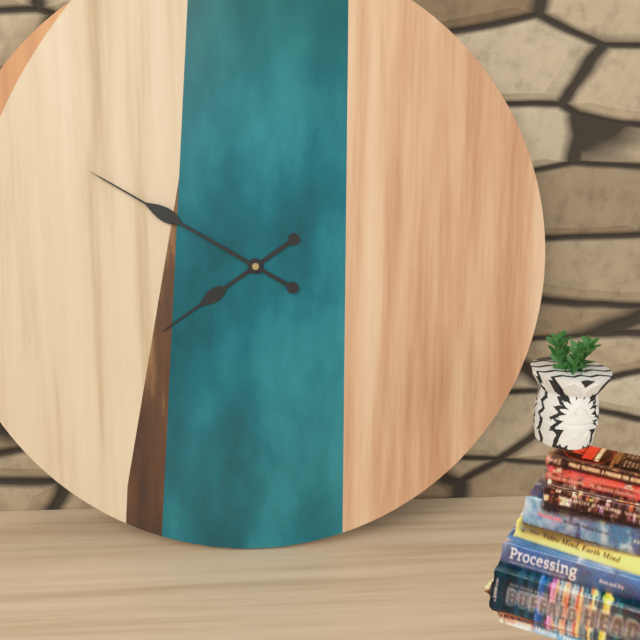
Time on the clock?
7:50
